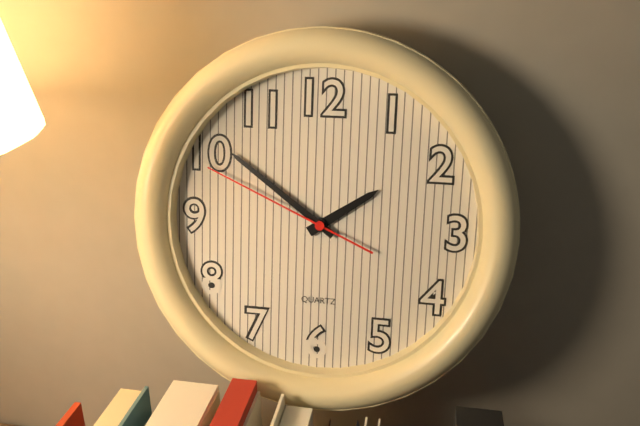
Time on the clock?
1:51:49
